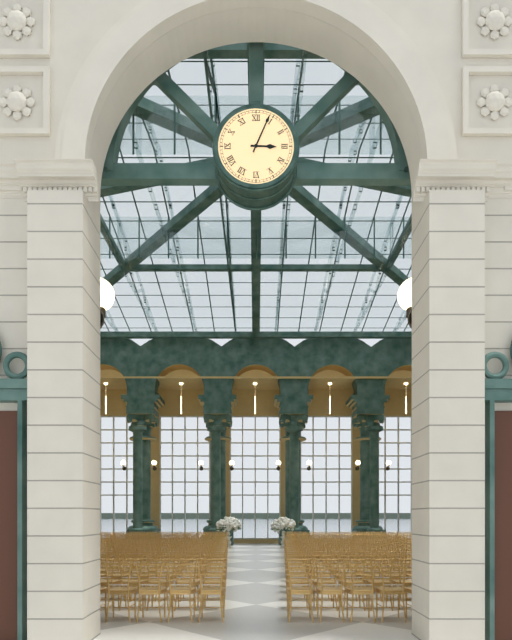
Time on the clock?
3:04
